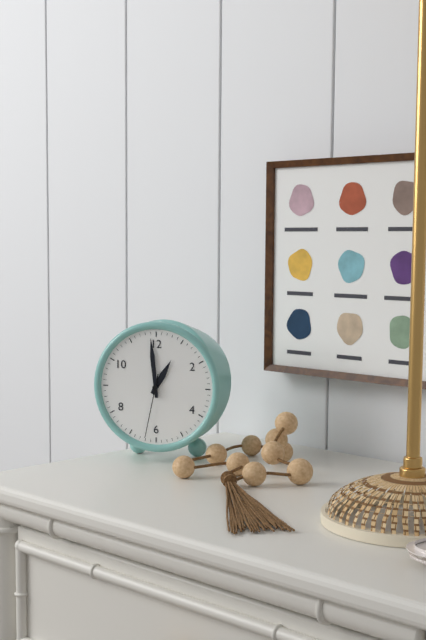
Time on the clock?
12:59:32
